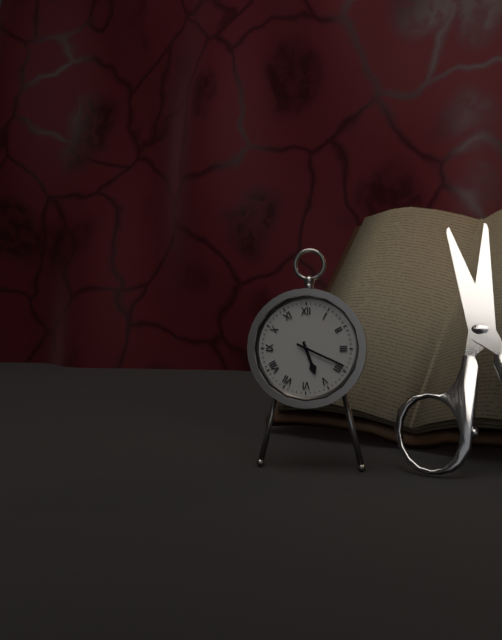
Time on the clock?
5:19
